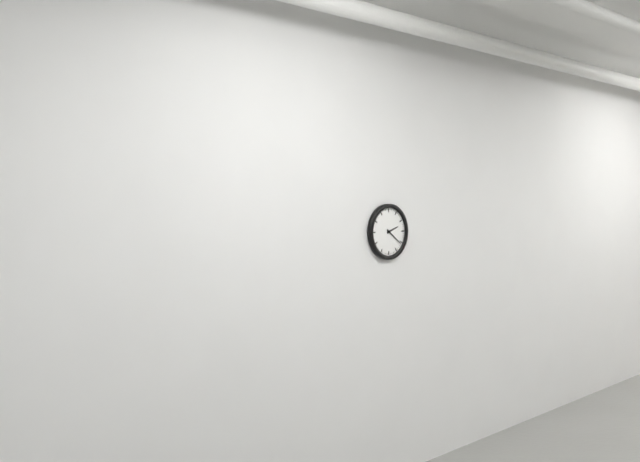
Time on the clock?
2:21
